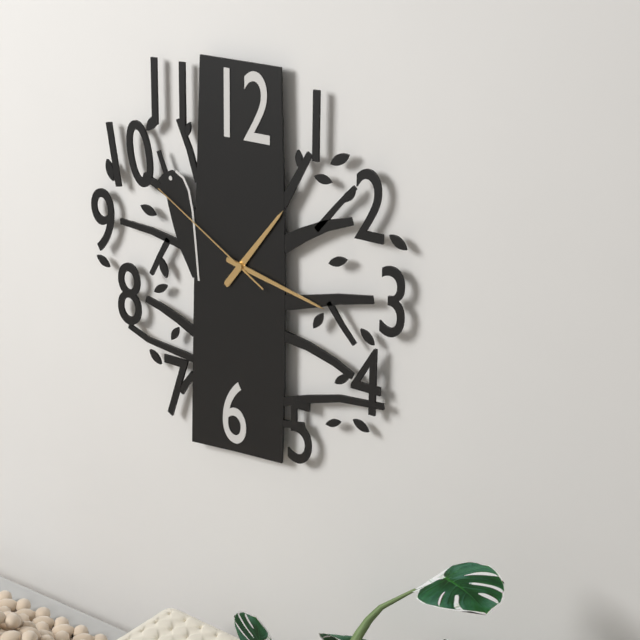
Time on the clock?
1:17:50
